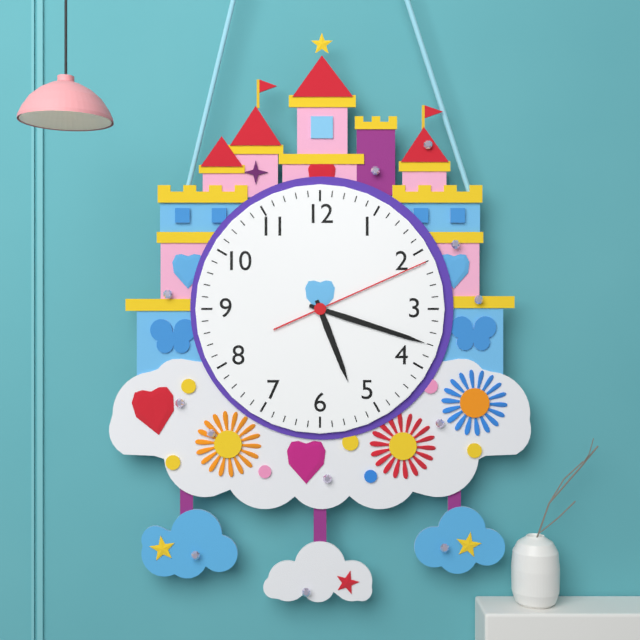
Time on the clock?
5:18:11
